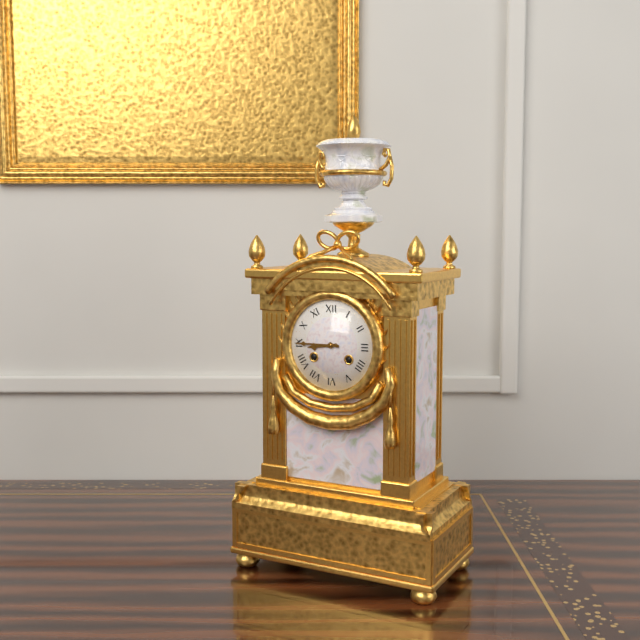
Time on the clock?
8:45
